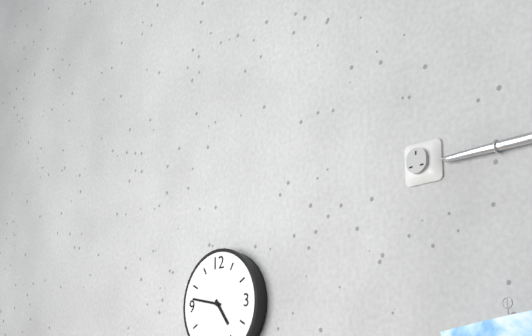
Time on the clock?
4:47
